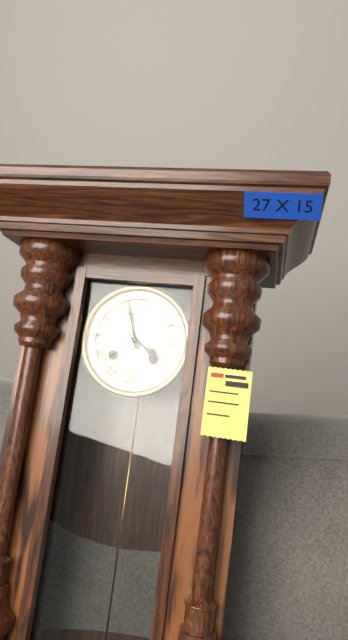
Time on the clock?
3:57
